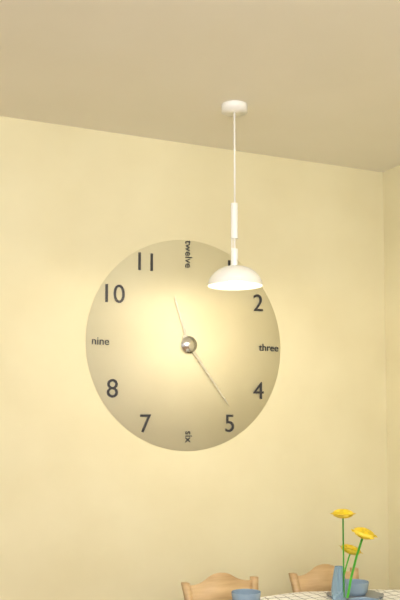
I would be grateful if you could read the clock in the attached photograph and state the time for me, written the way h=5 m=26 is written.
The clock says h=11 m=24
